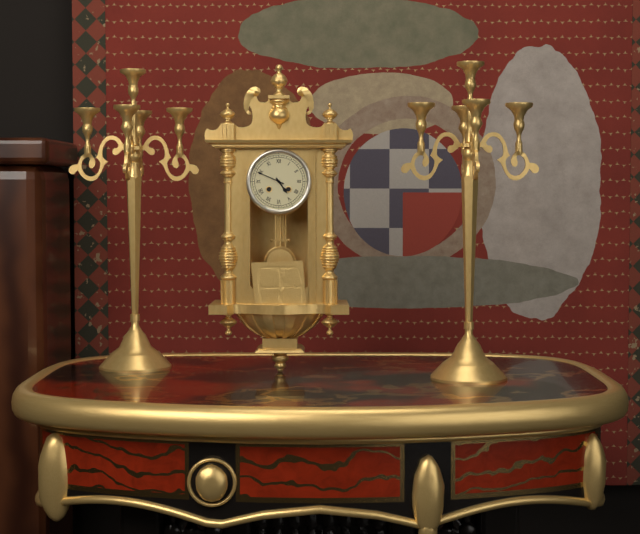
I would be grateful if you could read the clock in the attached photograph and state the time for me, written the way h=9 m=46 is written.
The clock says h=4 m=49
